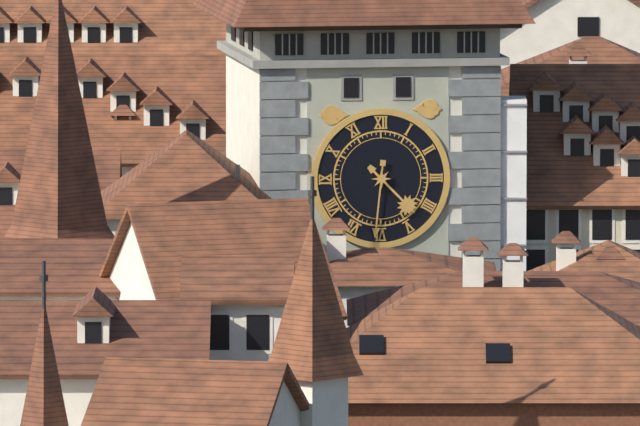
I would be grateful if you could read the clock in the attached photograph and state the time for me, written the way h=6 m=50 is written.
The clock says h=4 m=31
